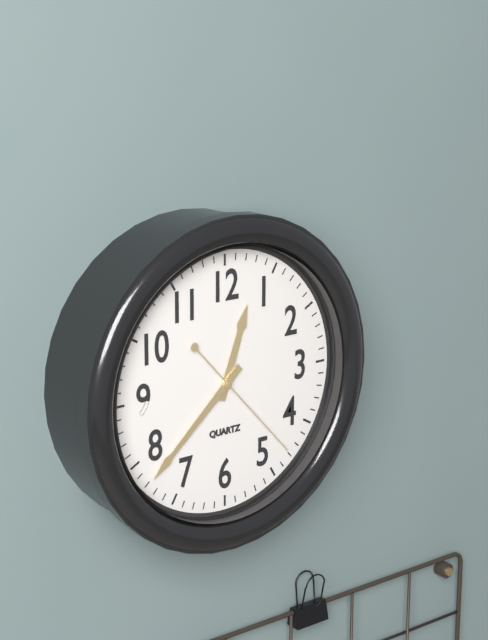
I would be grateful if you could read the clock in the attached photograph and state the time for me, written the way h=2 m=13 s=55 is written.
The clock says h=12 m=38 s=23
